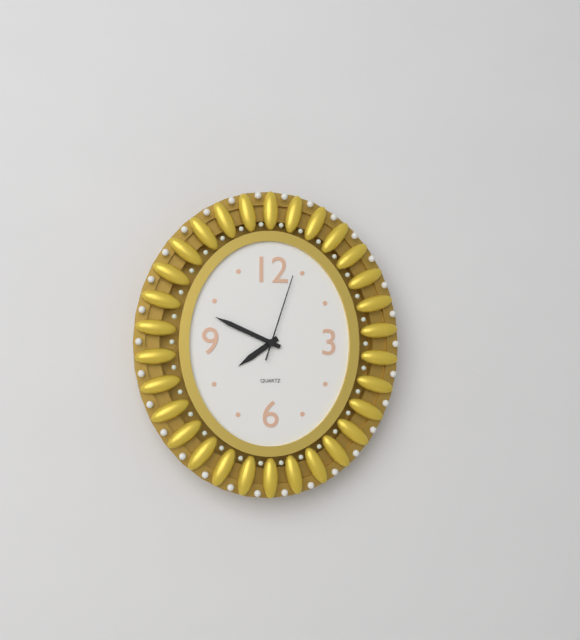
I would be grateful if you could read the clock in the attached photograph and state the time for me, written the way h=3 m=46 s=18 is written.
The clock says h=7 m=49 s=3
